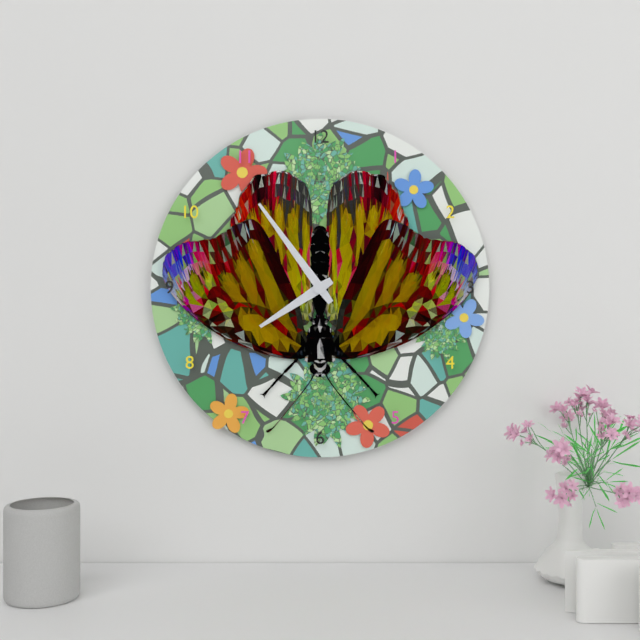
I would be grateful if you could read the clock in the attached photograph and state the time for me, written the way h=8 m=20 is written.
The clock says h=7 m=54
